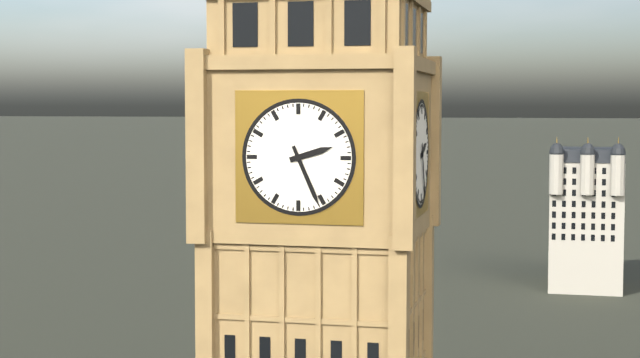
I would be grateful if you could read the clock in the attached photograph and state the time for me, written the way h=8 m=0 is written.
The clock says h=2 m=26
